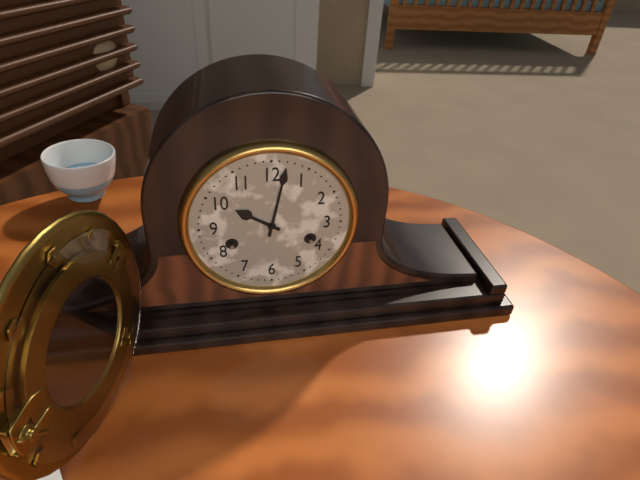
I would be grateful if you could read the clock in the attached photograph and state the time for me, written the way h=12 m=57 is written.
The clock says h=10 m=2
